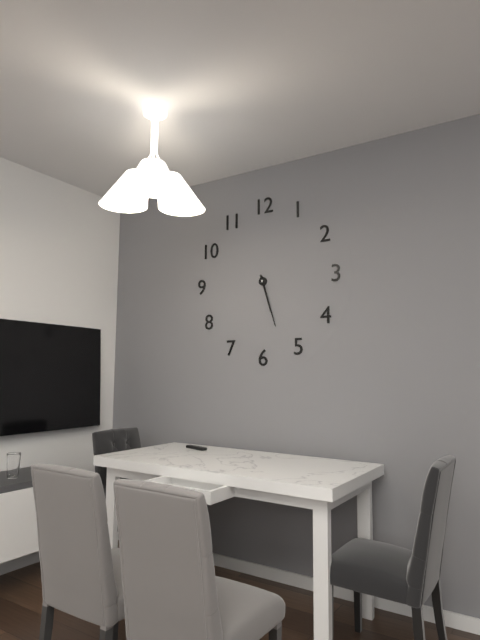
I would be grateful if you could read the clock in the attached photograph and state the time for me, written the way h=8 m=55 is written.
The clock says h=5 m=27
